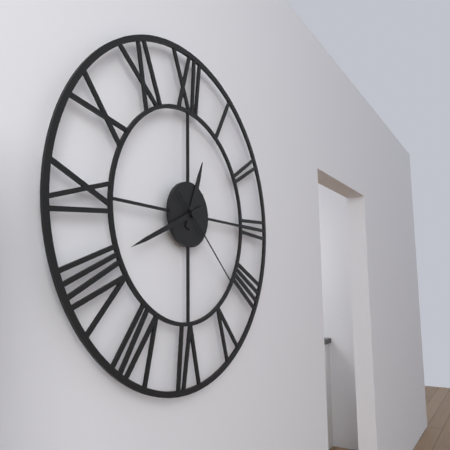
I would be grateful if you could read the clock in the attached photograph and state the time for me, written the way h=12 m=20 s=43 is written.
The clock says h=12 m=41 s=22
